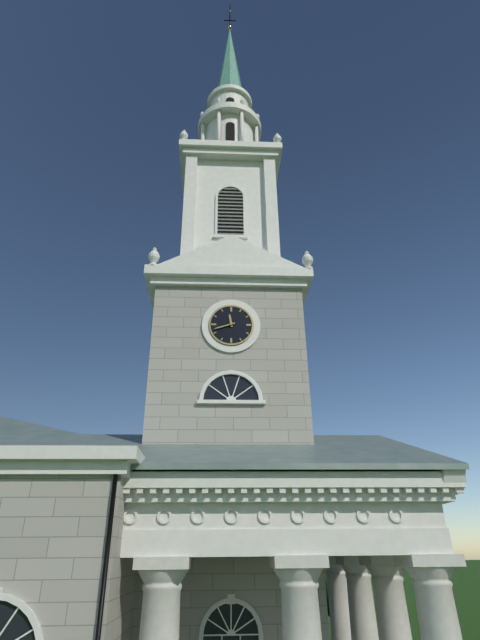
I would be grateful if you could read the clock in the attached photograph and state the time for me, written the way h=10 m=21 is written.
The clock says h=11 m=42
